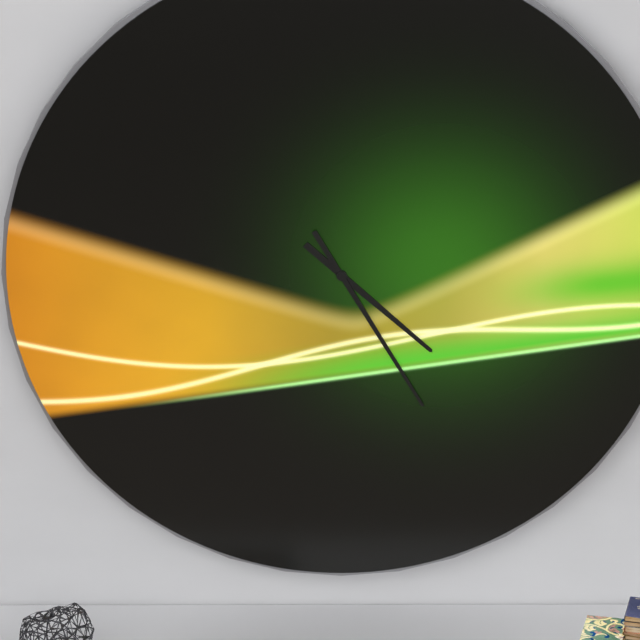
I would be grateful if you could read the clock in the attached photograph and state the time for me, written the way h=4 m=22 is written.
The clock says h=4 m=25
